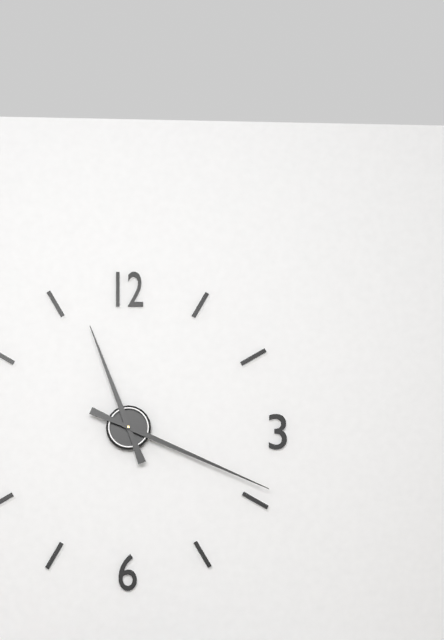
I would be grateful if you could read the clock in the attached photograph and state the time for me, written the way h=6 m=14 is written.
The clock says h=11 m=19
